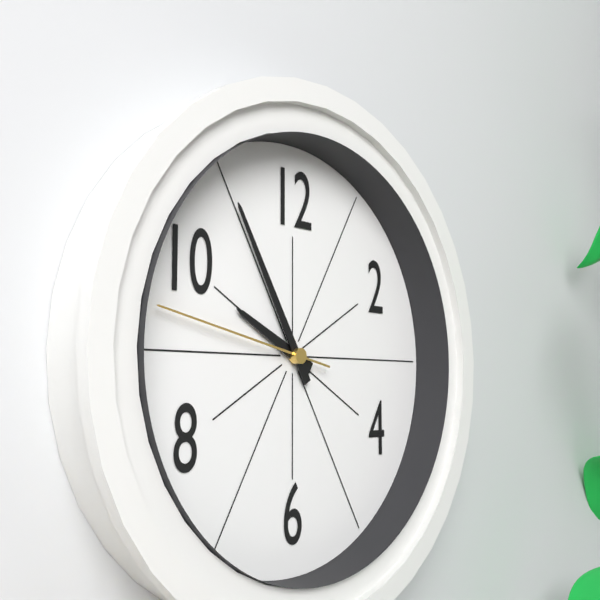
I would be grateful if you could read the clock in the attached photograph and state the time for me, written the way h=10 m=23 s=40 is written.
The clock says h=9 m=55 s=47
